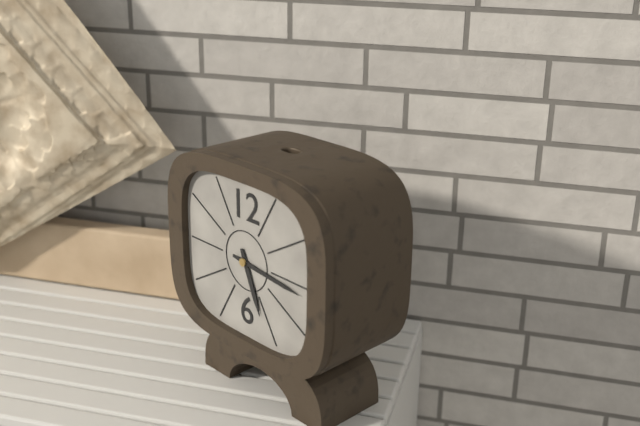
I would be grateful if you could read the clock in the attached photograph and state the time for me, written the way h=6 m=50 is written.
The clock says h=5 m=16
